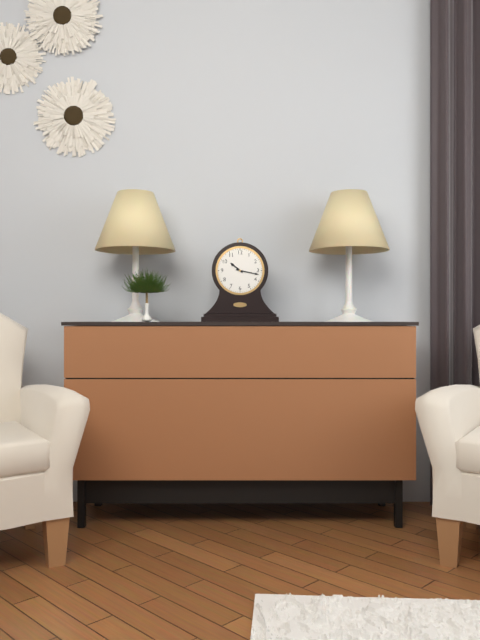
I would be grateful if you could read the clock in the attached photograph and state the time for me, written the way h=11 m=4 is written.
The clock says h=10 m=17
